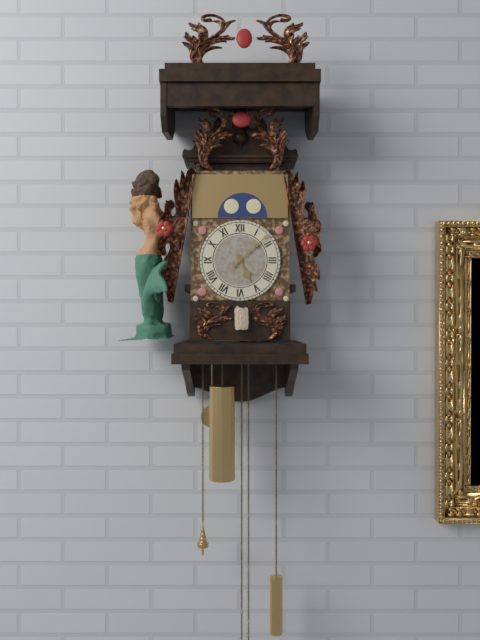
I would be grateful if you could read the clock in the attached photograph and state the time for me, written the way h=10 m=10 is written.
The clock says h=5 m=8
